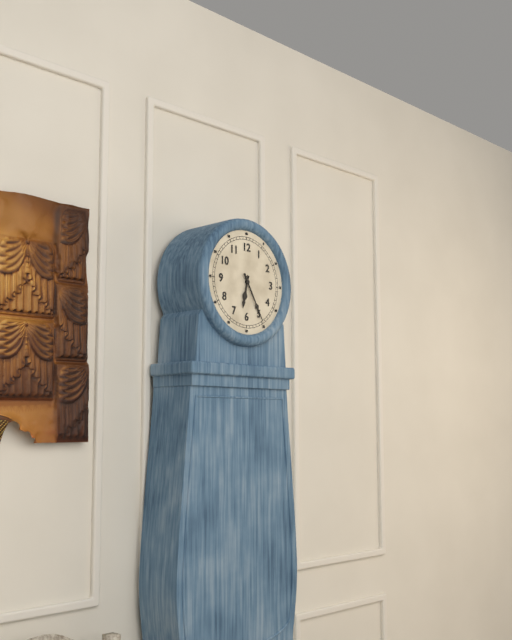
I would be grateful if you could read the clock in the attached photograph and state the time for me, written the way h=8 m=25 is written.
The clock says h=6 m=25
